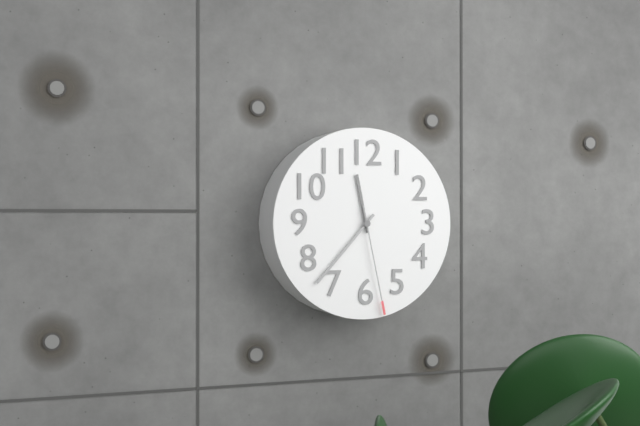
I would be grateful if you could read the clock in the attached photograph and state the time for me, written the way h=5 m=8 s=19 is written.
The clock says h=11 m=37 s=28
